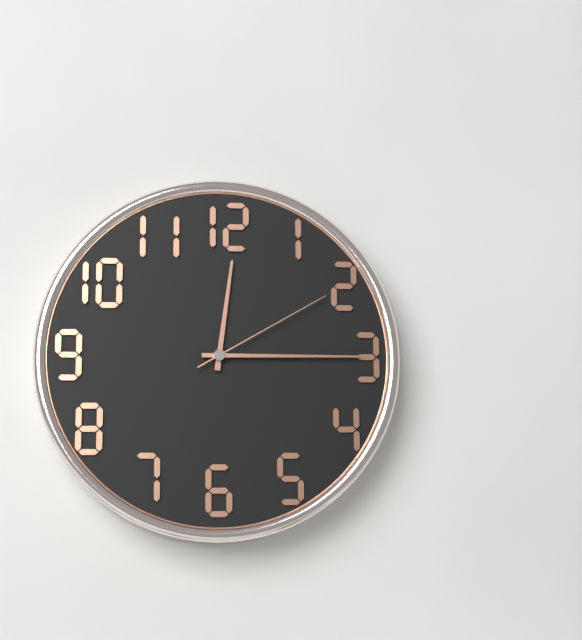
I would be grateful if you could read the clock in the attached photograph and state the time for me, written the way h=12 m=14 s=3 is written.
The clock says h=12 m=15 s=10
